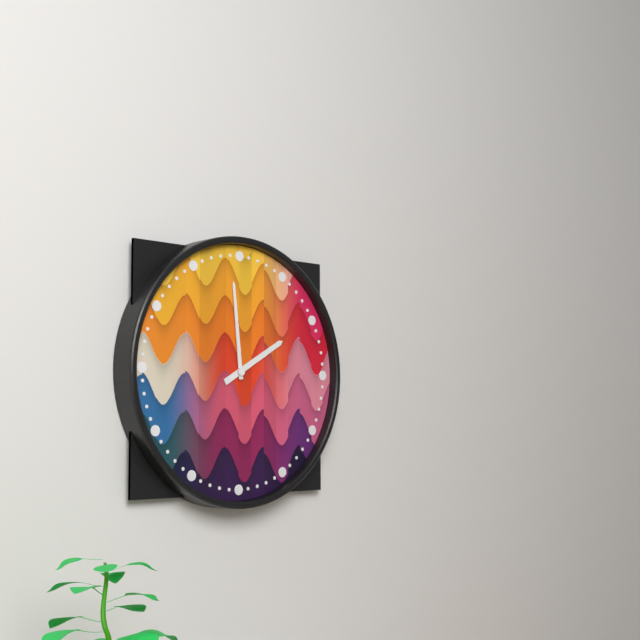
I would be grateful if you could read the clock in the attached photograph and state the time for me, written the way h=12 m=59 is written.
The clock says h=1 m=59
